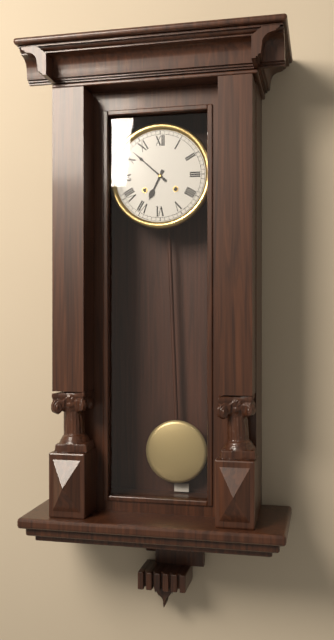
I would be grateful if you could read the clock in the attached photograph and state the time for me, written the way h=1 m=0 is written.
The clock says h=6 m=52
